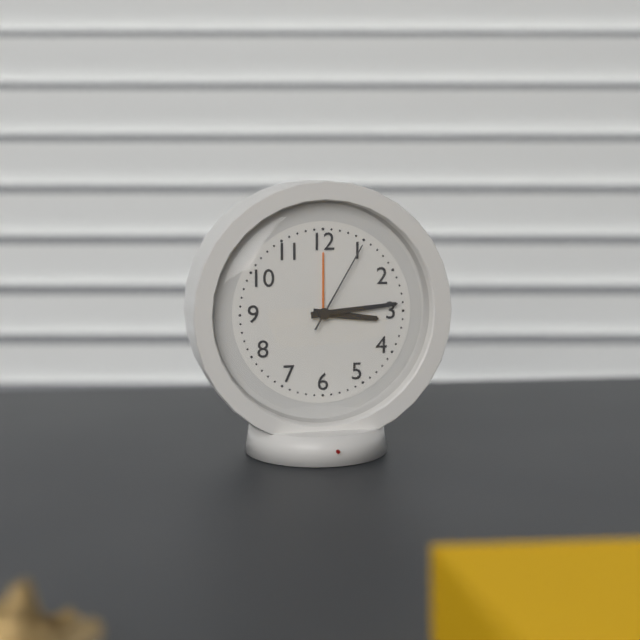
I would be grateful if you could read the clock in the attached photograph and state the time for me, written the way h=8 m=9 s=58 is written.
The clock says h=3 m=14 s=5
